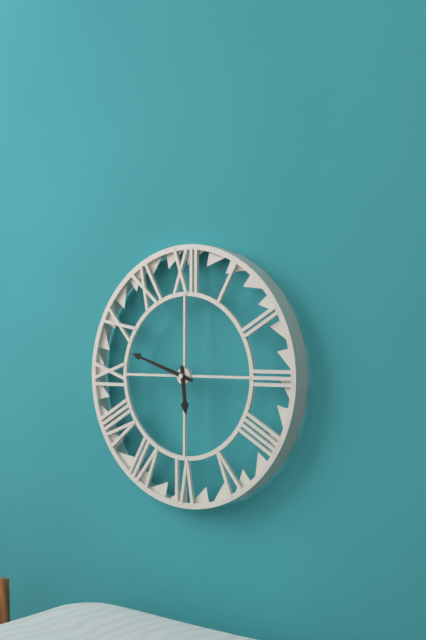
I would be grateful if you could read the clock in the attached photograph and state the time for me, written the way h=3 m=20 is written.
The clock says h=5 m=48
